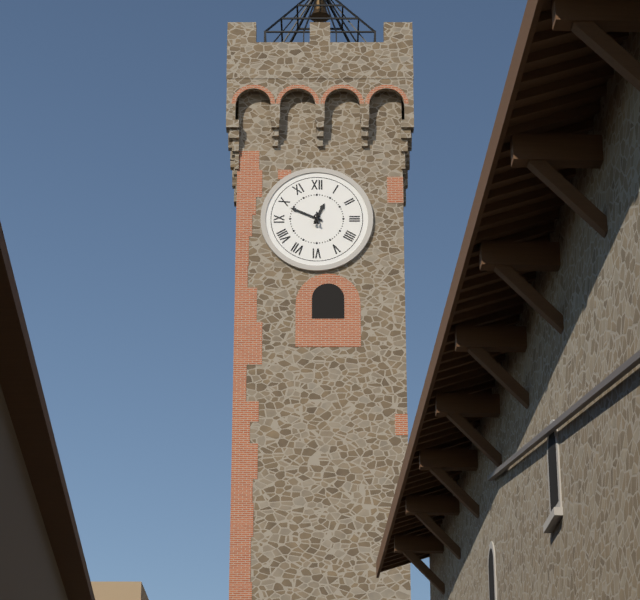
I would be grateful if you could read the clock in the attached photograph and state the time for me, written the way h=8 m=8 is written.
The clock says h=12 m=49
